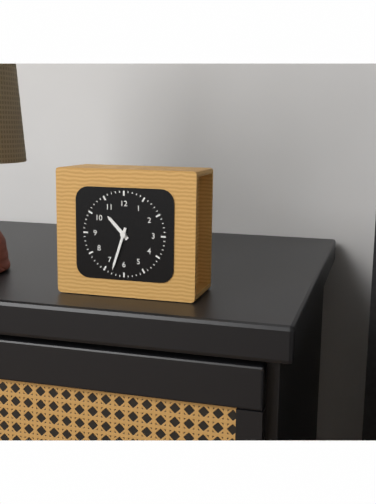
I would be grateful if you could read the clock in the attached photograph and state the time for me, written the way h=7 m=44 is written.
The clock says h=10 m=33
